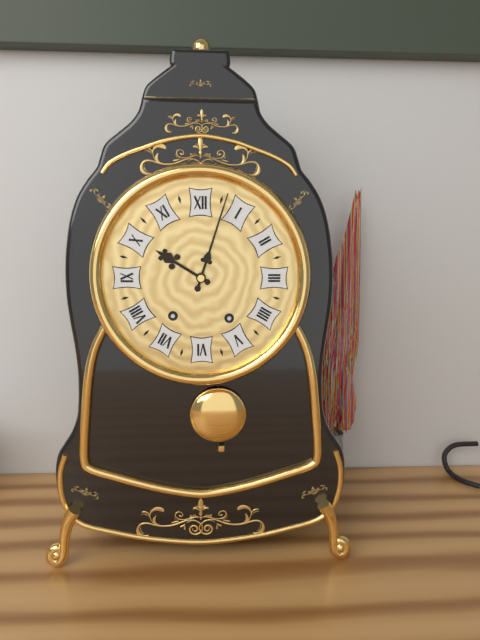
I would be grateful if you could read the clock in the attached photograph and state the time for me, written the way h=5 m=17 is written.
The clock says h=10 m=3
